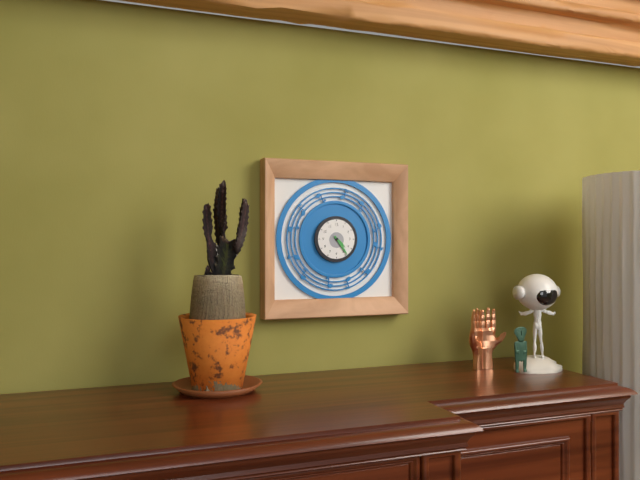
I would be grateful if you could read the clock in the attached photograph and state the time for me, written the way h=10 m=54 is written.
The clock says h=4 m=24
